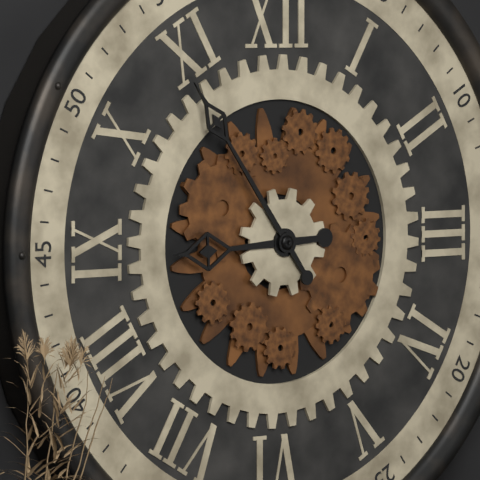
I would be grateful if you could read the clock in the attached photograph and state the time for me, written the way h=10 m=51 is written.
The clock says h=8 m=54
